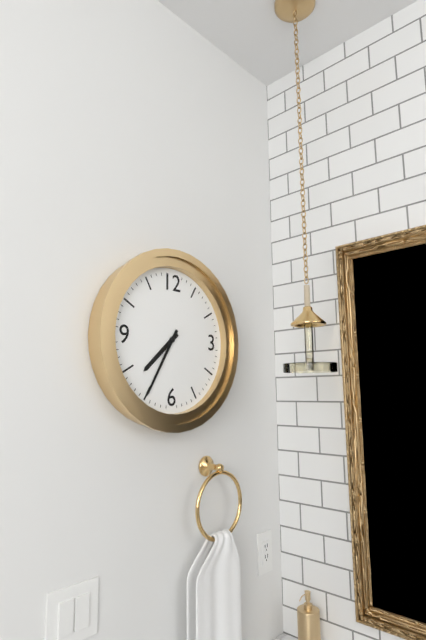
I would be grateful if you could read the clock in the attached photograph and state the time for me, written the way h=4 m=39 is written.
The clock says h=7 m=35
